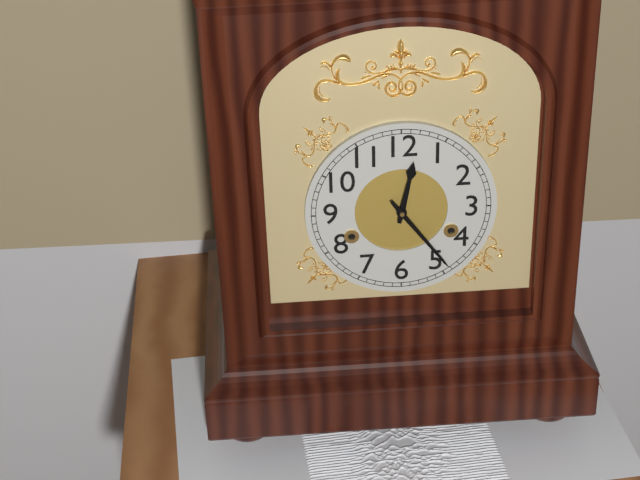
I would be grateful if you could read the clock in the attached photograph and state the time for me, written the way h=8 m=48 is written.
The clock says h=12 m=24
